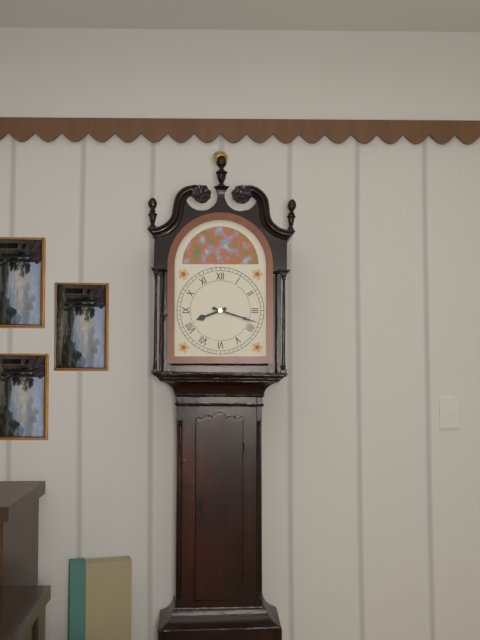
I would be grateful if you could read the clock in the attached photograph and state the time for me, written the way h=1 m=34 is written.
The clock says h=8 m=18
